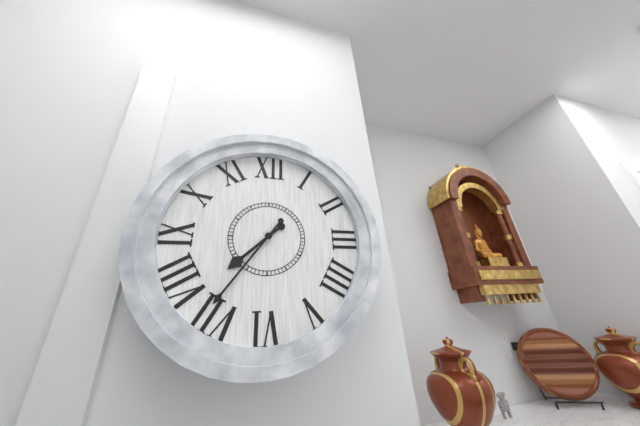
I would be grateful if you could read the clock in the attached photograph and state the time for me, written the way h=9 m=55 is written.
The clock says h=7 m=36
